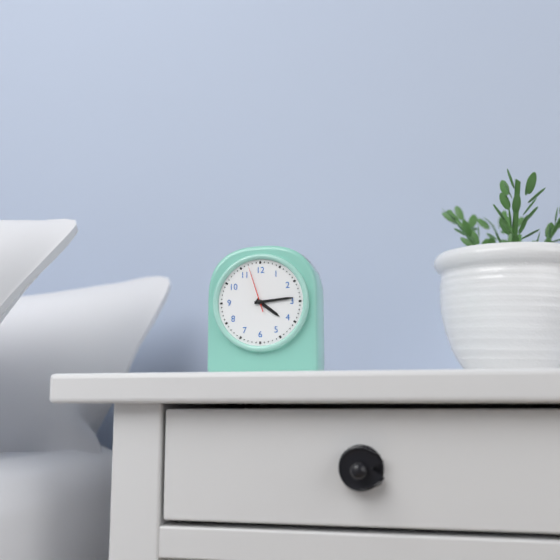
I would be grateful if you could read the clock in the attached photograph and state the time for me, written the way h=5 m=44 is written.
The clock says h=4 m=14
